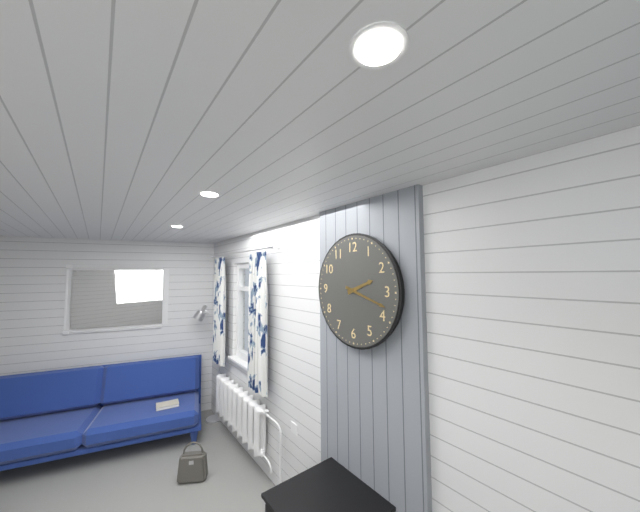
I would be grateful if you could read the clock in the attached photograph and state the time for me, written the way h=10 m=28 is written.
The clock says h=2 m=18
